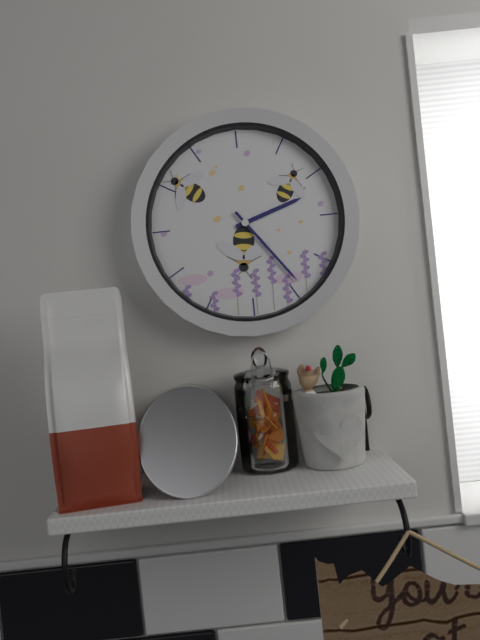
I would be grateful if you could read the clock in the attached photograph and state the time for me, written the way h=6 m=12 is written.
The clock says h=2 m=24
